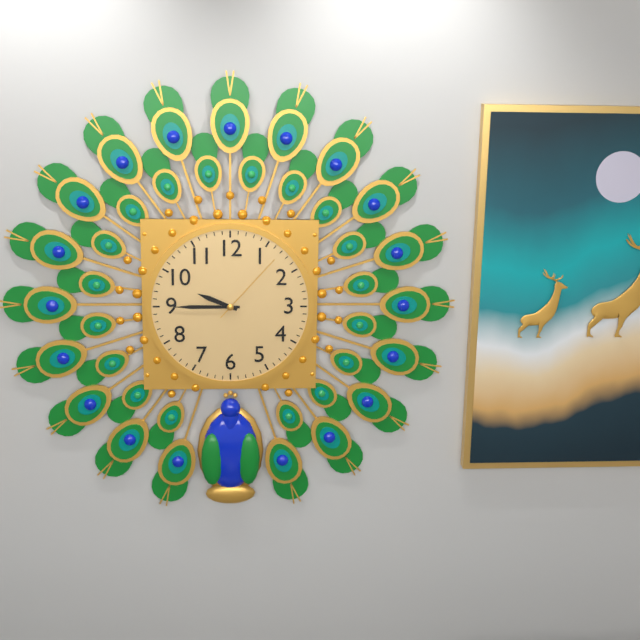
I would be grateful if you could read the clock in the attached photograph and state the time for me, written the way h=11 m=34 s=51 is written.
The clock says h=9 m=45 s=7
